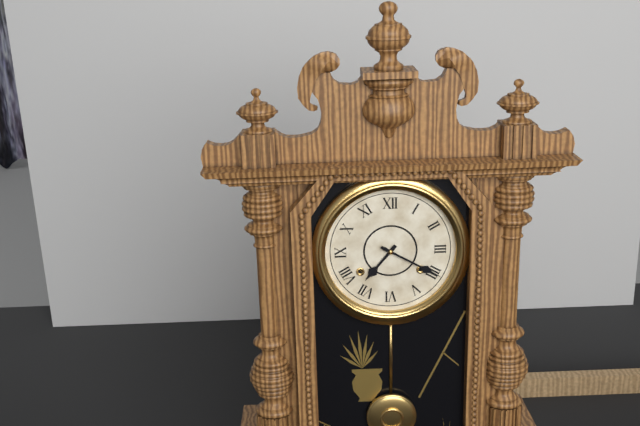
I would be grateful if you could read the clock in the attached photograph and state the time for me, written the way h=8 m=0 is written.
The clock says h=7 m=20
